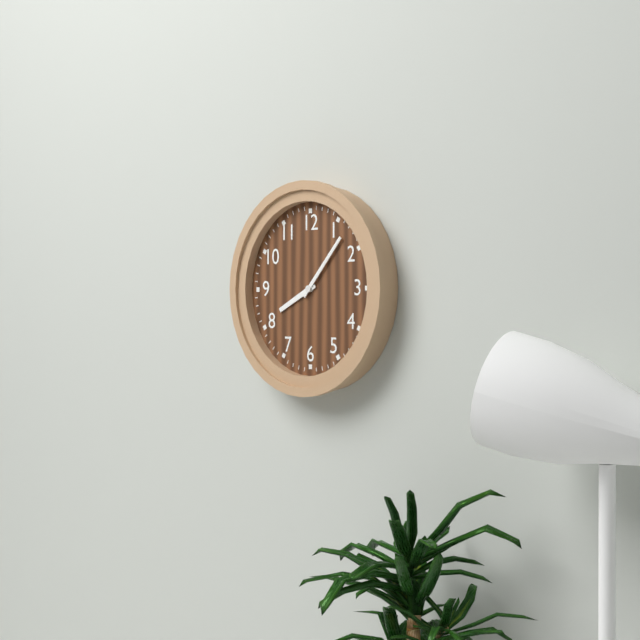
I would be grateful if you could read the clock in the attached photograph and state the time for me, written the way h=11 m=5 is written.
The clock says h=8 m=7
